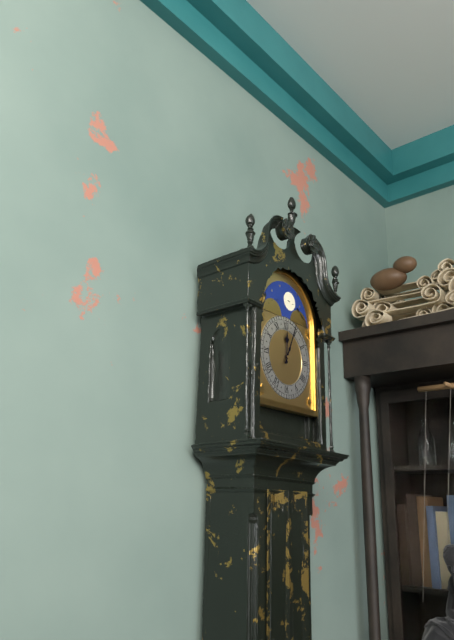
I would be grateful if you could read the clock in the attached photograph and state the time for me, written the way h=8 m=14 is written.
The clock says h=12 m=4
